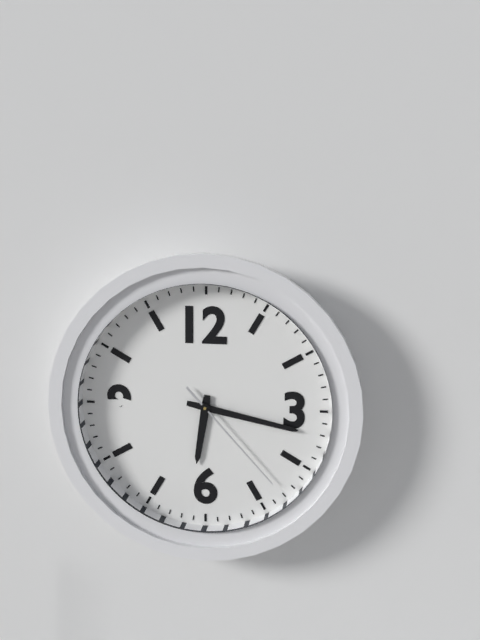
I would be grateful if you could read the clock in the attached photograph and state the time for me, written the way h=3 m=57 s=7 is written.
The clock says h=6 m=17 s=23
